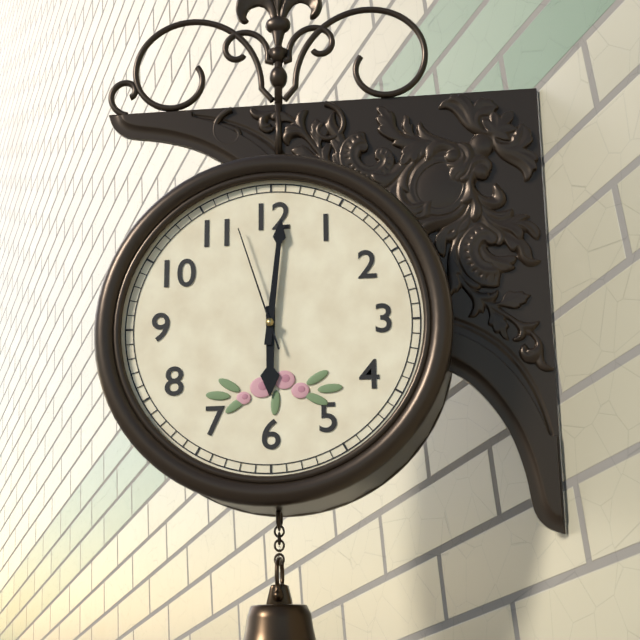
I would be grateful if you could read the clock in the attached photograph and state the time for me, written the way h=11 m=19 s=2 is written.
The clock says h=6 m=1 s=57
